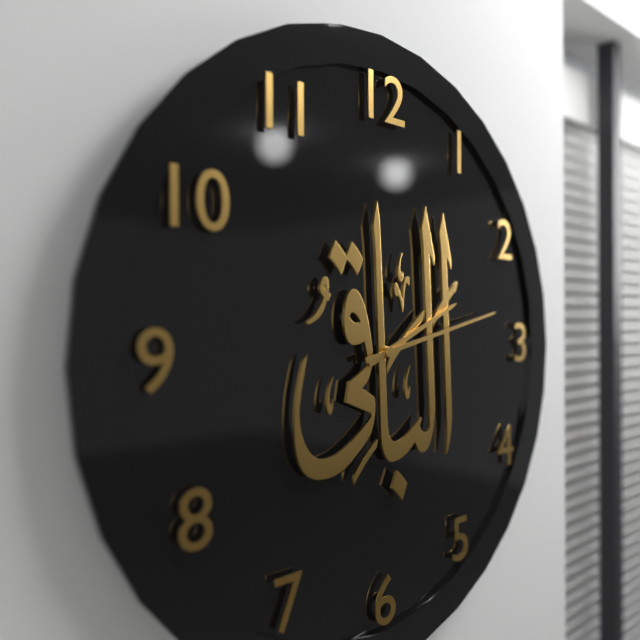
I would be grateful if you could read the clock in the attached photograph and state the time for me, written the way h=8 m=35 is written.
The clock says h=2 m=13
